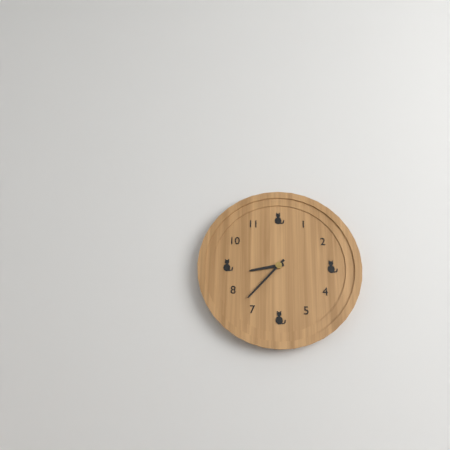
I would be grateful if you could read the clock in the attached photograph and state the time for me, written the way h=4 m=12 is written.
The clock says h=8 m=37
